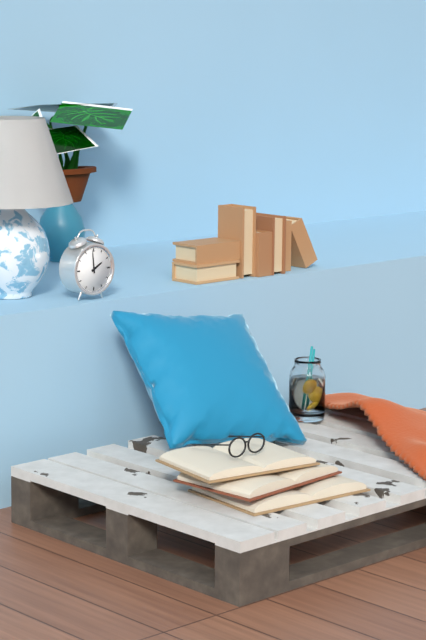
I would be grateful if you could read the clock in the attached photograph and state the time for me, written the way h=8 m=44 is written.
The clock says h=1 m=59
